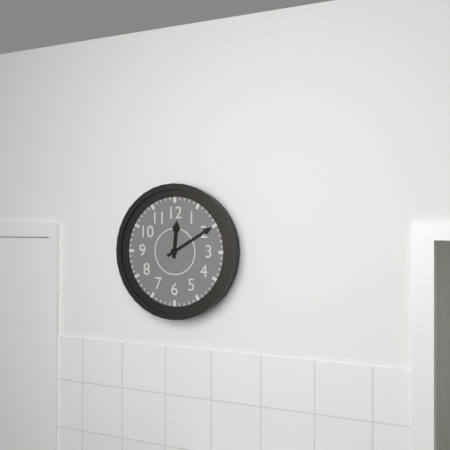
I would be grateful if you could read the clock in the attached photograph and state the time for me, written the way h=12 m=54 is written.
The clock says h=12 m=10
